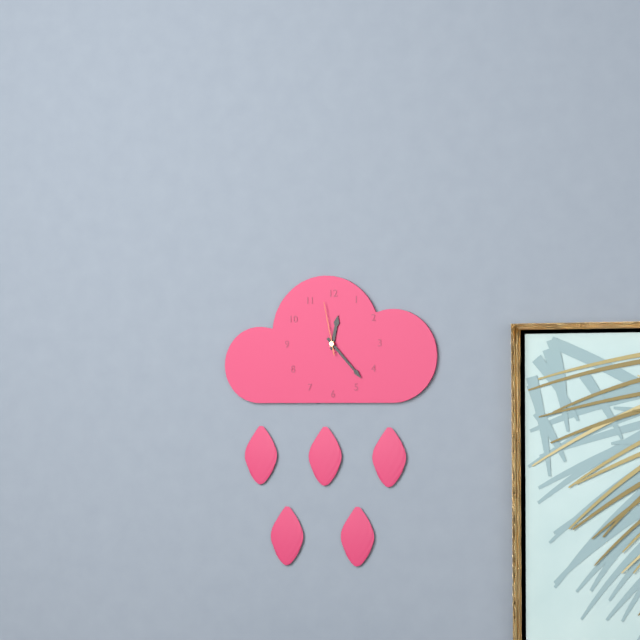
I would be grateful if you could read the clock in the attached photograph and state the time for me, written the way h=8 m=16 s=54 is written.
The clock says h=12 m=23 s=58
